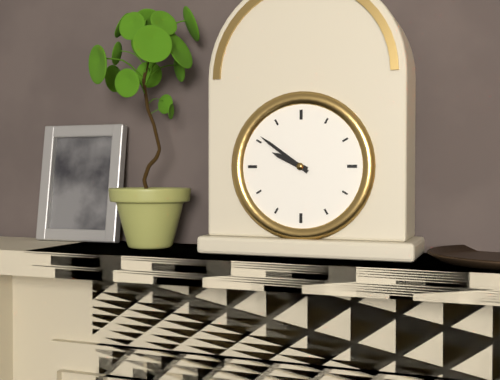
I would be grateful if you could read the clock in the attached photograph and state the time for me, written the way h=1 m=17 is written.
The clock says h=9 m=51
